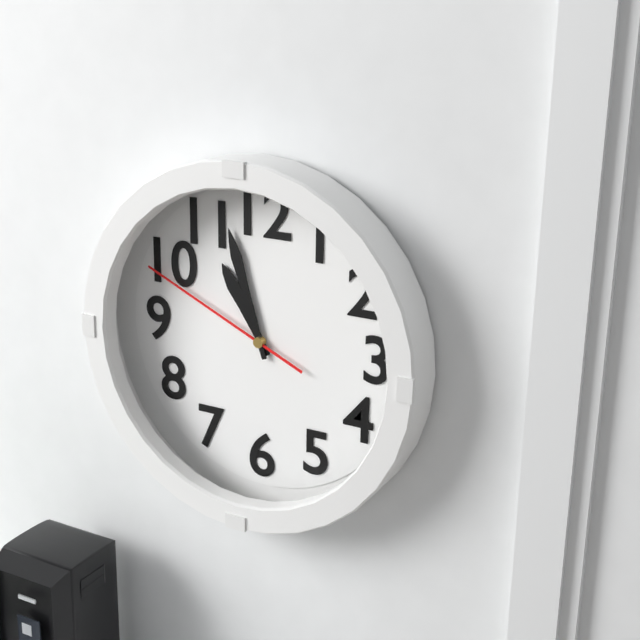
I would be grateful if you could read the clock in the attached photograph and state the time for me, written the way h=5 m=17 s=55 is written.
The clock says h=10 m=57 s=49
